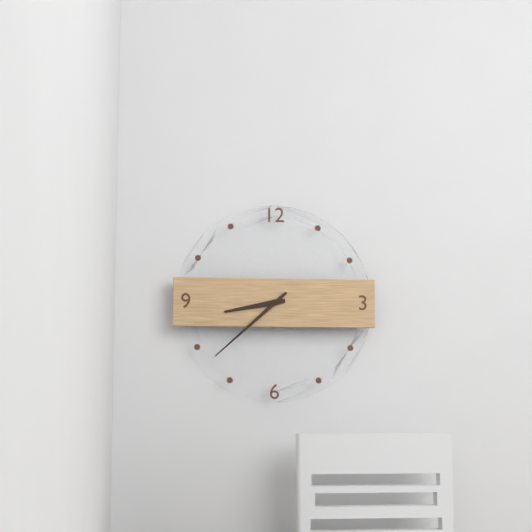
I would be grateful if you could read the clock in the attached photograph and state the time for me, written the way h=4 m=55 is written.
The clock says h=8 m=38
